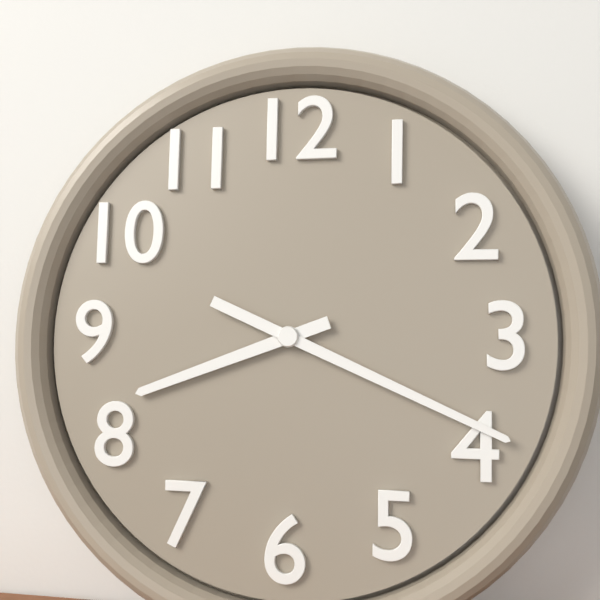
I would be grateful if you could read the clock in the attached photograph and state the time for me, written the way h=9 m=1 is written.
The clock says h=8 m=19
